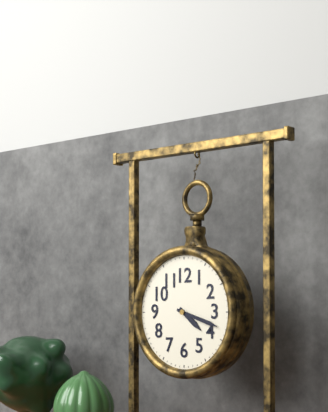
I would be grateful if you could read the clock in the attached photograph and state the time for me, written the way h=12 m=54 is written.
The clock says h=4 m=18
